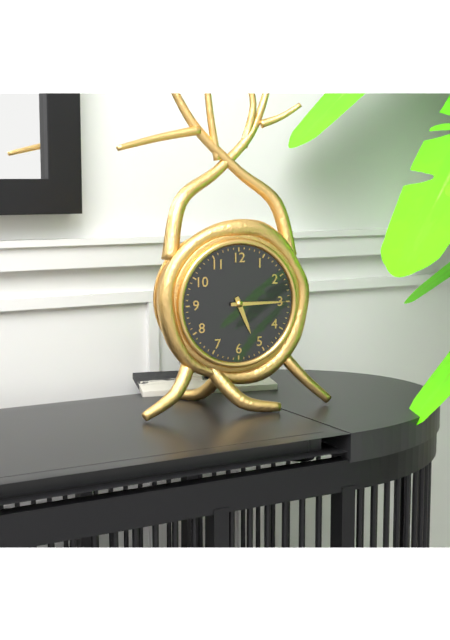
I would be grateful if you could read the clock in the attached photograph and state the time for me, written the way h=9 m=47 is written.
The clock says h=5 m=15
